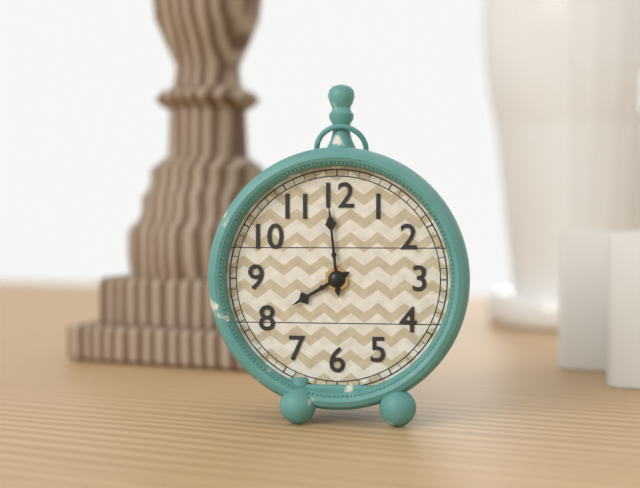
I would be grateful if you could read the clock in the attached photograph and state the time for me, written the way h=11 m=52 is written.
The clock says h=7 m=59
